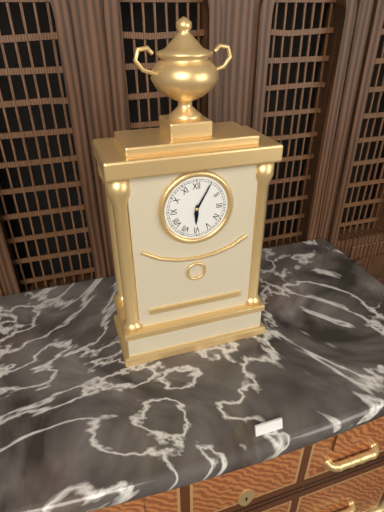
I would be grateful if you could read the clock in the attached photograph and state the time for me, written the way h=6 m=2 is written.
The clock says h=6 m=5
